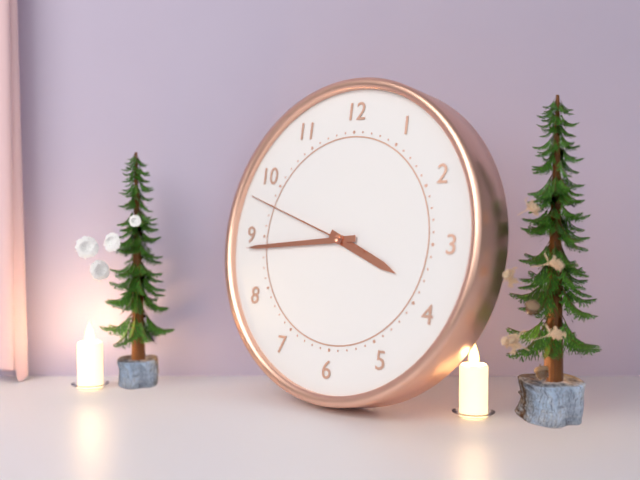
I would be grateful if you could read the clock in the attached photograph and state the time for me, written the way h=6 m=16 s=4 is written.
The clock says h=3 m=44 s=48
